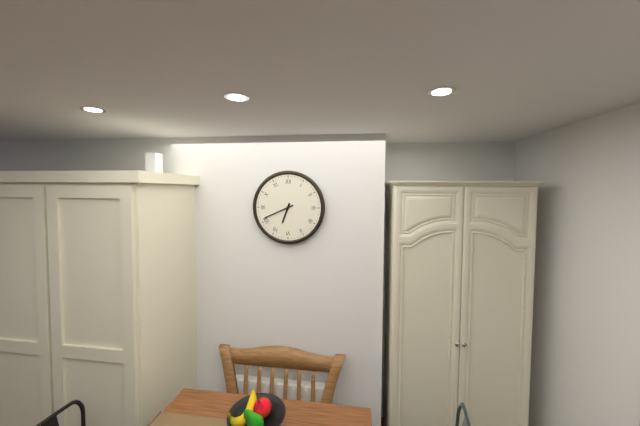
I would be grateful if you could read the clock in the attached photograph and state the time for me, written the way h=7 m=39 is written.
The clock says h=6 m=41
